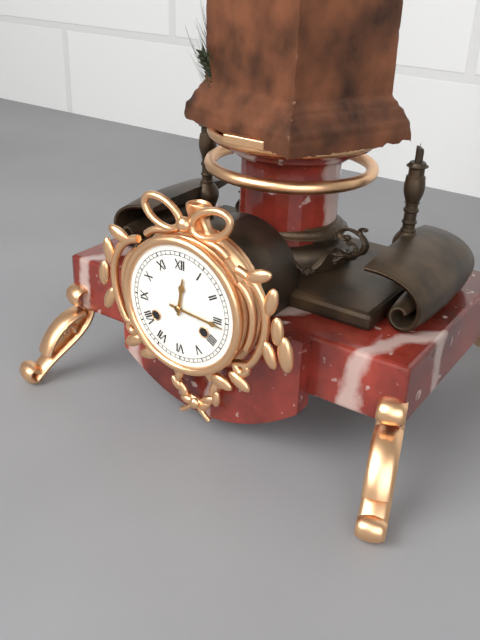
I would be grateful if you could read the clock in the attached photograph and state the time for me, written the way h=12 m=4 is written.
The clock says h=12 m=16
